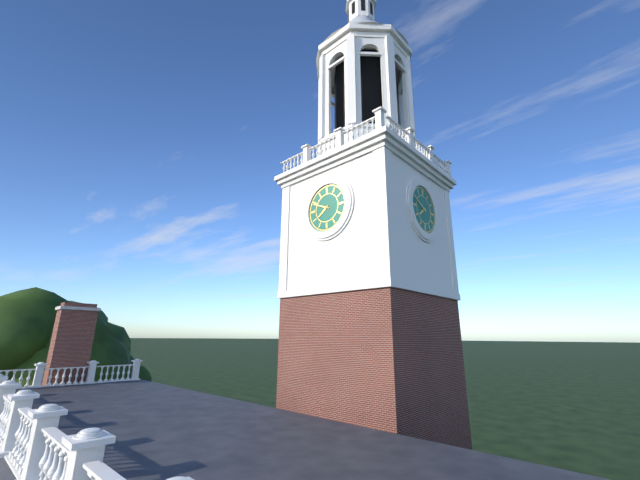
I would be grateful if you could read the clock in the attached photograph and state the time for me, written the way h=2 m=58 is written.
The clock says h=7 m=49
